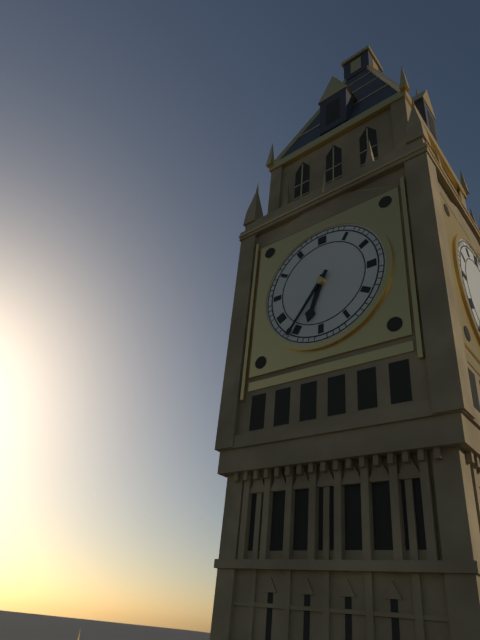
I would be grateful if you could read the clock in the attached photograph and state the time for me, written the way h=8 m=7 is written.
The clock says h=6 m=36
